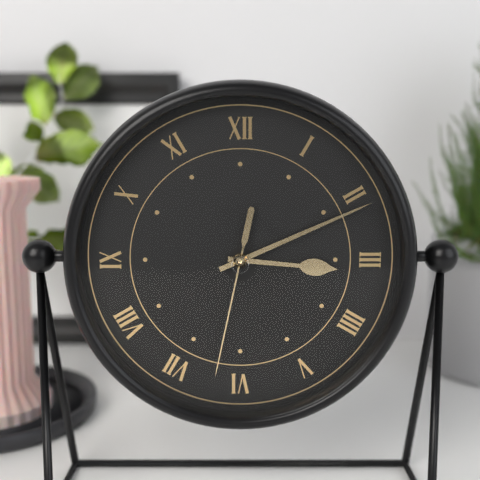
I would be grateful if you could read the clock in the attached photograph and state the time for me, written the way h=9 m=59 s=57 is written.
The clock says h=3 m=11 s=32
